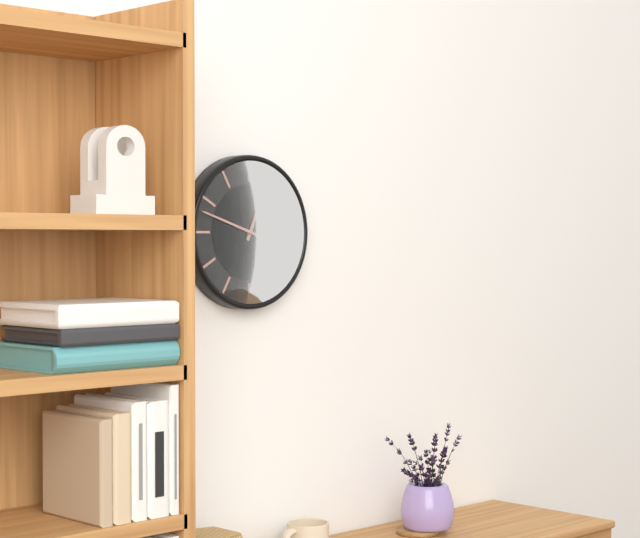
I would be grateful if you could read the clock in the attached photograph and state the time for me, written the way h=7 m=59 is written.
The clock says h=12 m=48
